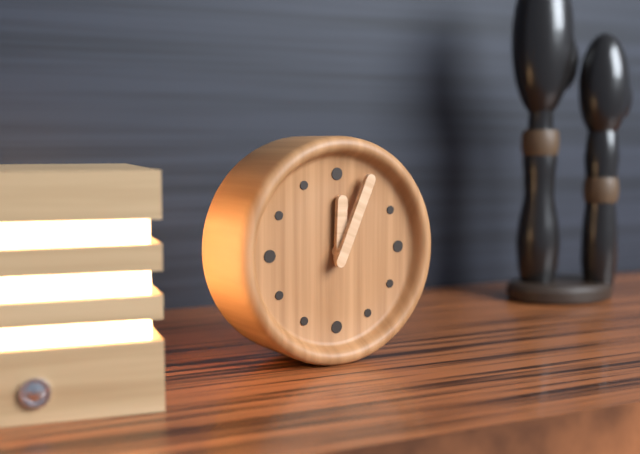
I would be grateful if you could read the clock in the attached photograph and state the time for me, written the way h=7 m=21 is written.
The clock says h=12 m=4
